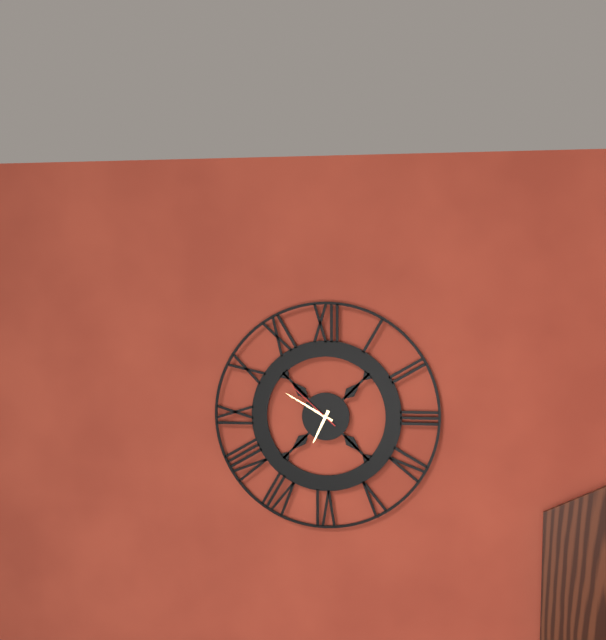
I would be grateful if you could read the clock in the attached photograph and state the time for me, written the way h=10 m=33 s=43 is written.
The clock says h=6 m=50 s=52
